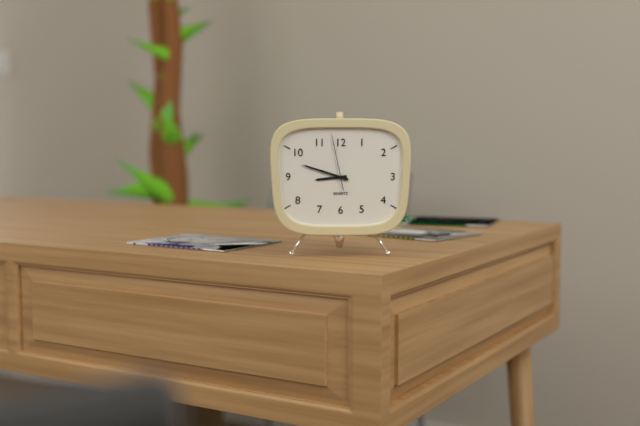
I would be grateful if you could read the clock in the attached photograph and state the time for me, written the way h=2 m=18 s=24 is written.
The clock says h=8 m=48 s=58
